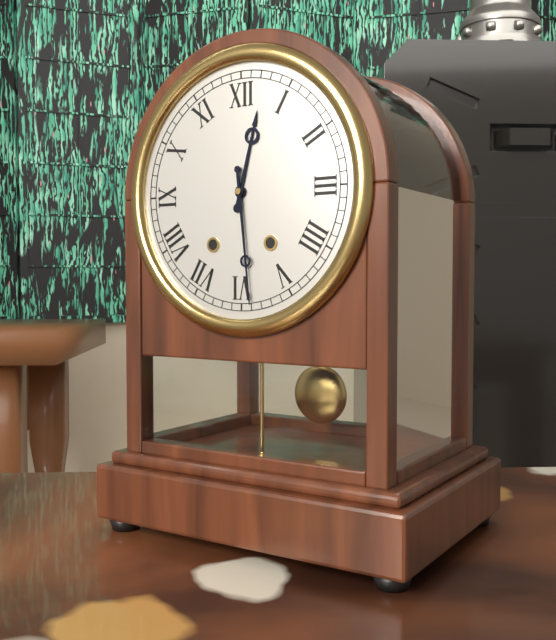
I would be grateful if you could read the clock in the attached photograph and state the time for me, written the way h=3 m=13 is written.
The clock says h=12 m=29
